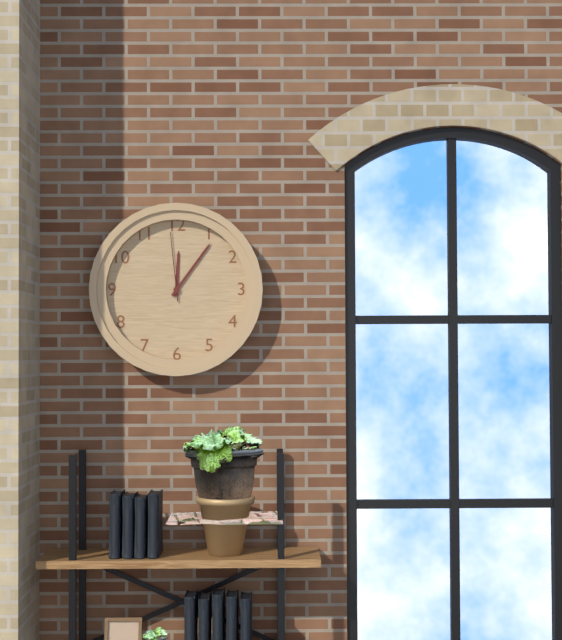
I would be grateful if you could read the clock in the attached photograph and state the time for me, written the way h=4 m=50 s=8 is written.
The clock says h=12 m=6 s=59
